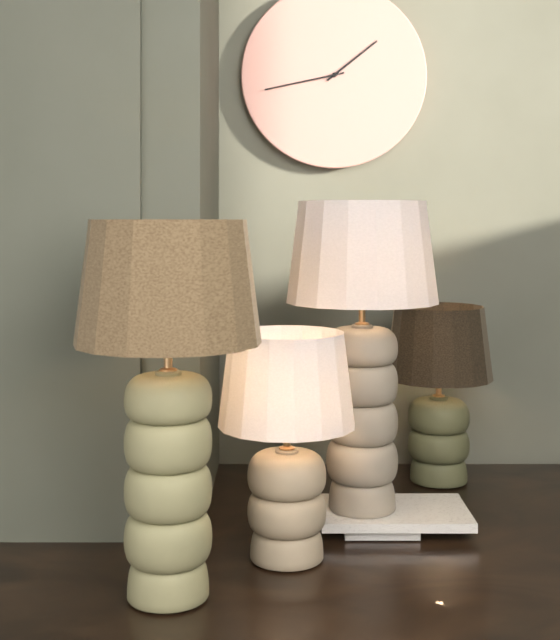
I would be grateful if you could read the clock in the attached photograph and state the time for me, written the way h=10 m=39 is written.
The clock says h=1 m=43
